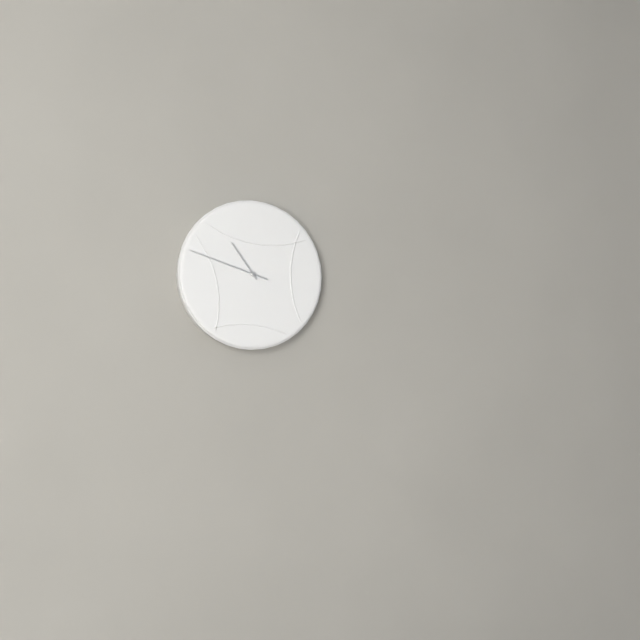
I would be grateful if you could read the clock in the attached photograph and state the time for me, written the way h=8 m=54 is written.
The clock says h=10 m=48
